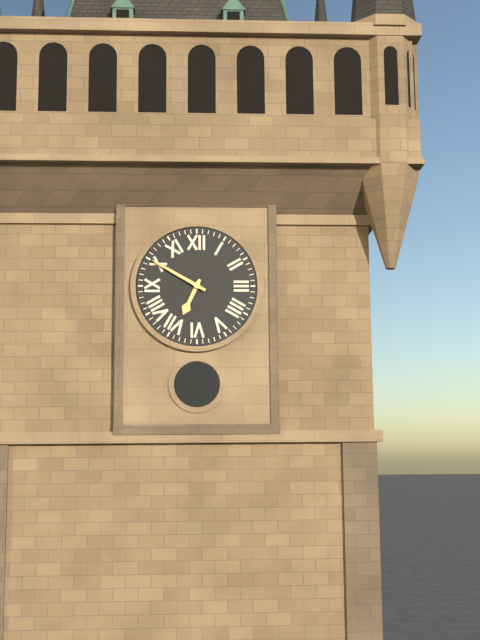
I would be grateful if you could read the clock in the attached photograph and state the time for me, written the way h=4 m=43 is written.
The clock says h=6 m=50
